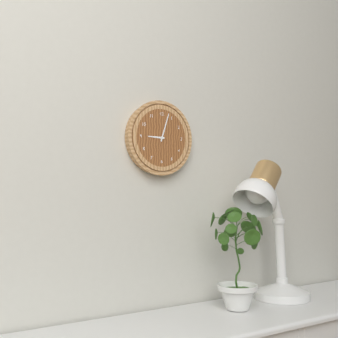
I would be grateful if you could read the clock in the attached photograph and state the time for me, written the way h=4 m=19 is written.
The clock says h=9 m=3
